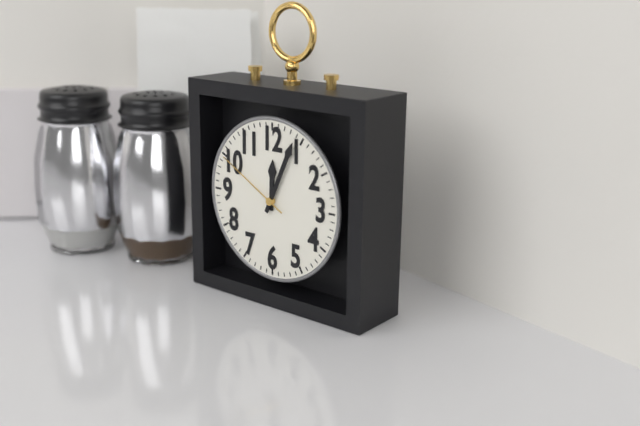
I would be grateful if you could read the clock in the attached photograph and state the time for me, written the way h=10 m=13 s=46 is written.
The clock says h=12 m=4 s=50
